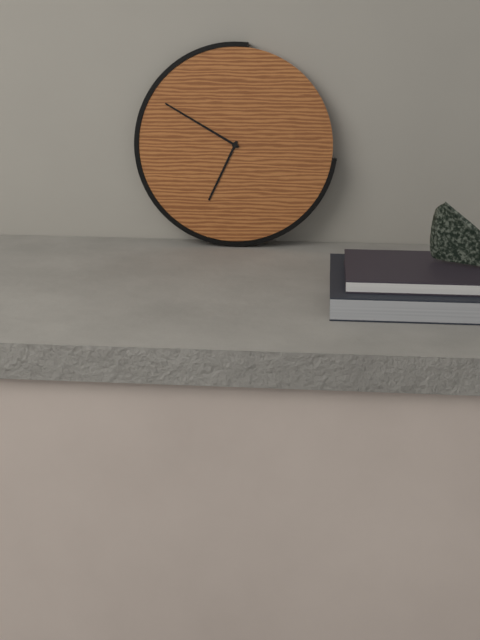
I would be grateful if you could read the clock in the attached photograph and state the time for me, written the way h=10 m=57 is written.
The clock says h=6 m=50
